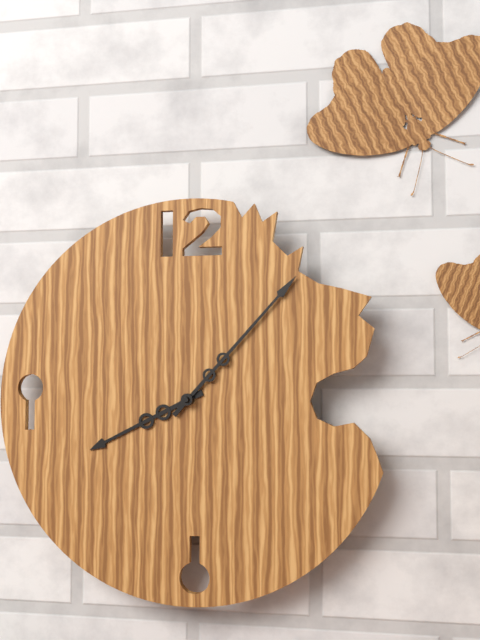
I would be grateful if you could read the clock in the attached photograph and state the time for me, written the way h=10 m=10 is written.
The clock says h=8 m=7
